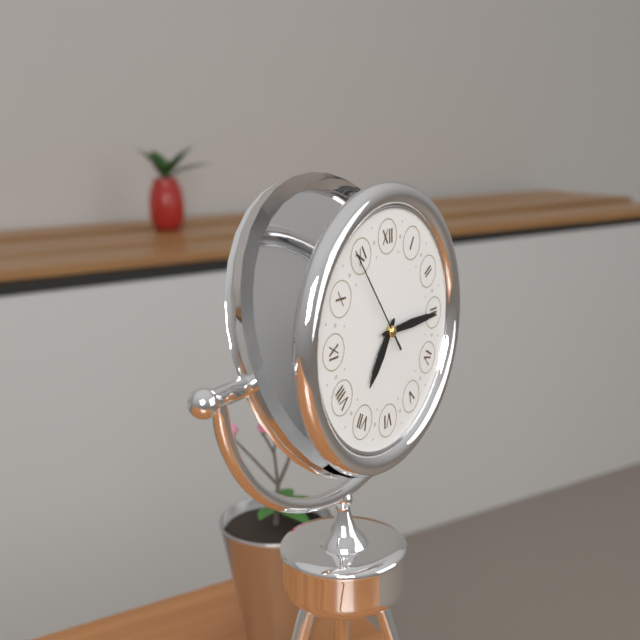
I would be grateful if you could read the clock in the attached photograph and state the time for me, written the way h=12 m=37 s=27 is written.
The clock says h=7 m=15 s=54
